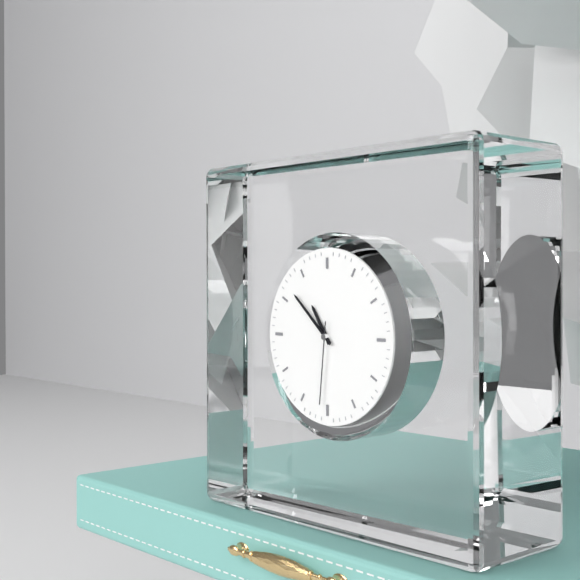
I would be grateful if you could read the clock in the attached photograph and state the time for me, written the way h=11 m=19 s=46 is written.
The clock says h=10 m=52 s=31
